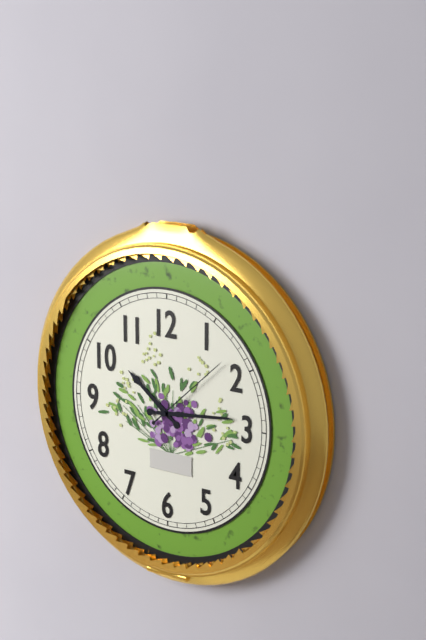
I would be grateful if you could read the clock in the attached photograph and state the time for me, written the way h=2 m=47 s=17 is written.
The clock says h=10 m=14 s=8
